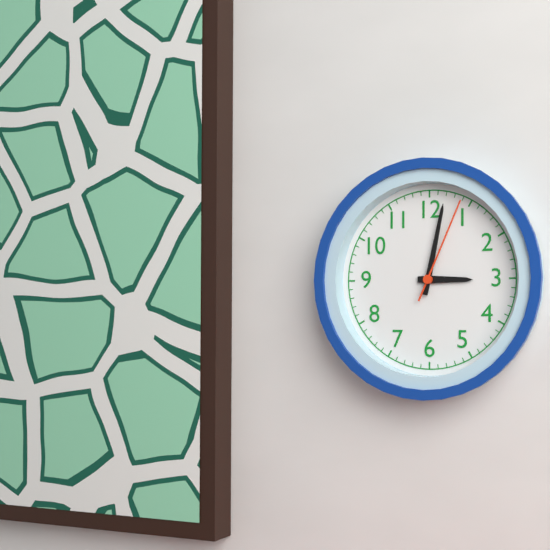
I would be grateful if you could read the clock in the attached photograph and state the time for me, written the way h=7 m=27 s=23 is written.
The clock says h=3 m=2 s=4
